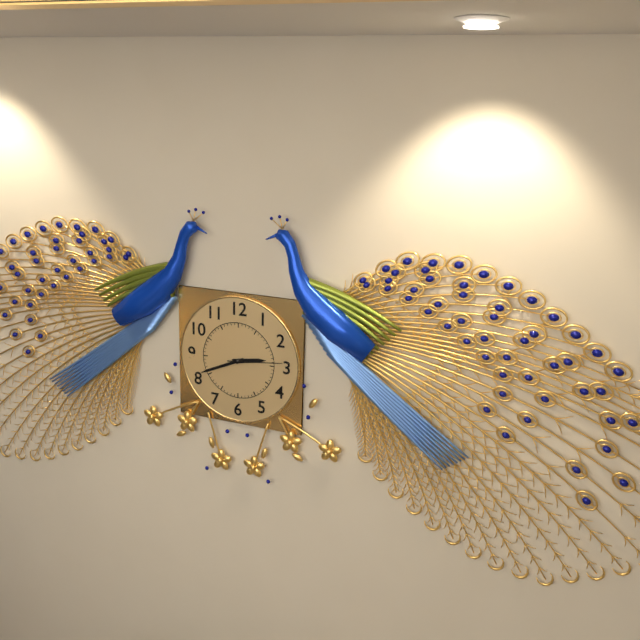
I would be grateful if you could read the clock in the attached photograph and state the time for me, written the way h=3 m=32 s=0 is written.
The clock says h=2 m=41 s=14
